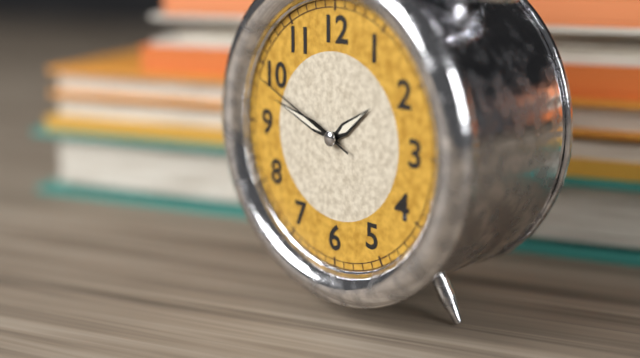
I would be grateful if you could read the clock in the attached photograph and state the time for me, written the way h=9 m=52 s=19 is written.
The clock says h=1 m=48 s=49
